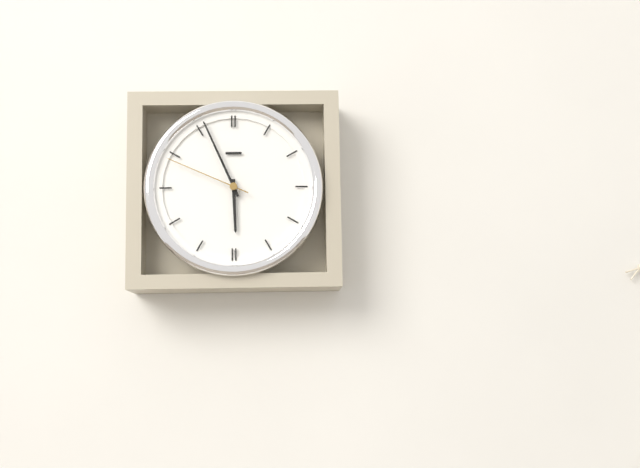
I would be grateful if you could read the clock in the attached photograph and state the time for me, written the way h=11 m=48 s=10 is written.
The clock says h=5 m=56 s=49
